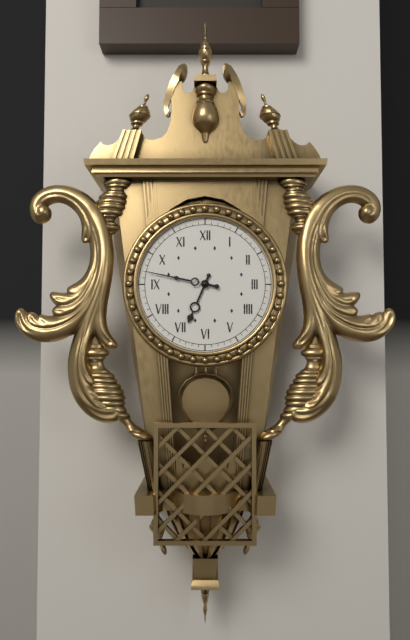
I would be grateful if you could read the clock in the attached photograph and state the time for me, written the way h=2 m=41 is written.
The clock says h=6 m=47
